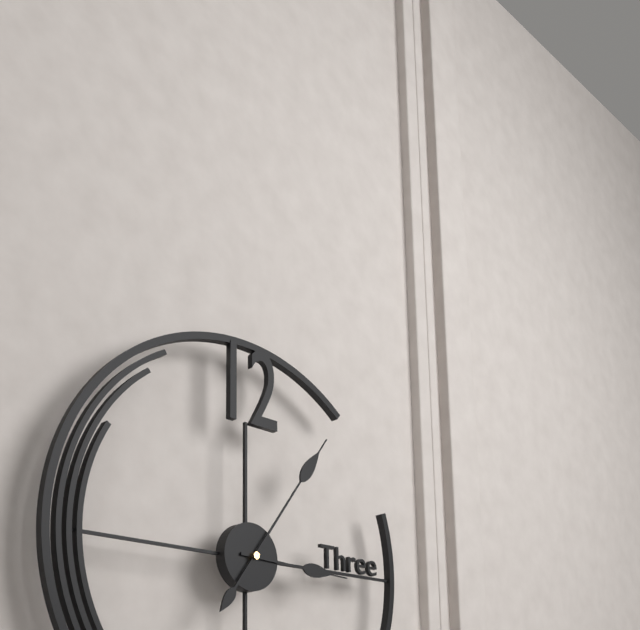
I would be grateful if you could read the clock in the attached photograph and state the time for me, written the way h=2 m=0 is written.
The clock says h=3 m=6
